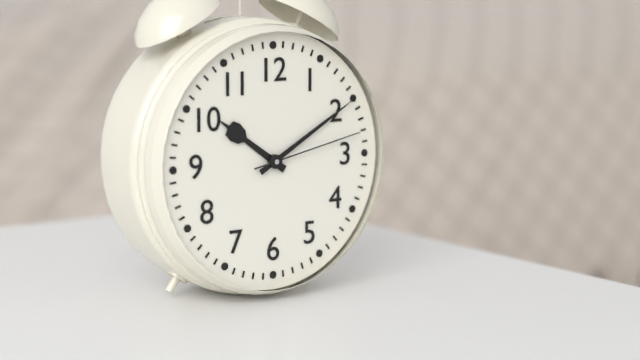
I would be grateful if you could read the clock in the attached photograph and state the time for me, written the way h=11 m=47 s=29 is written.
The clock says h=10 m=10 s=13
